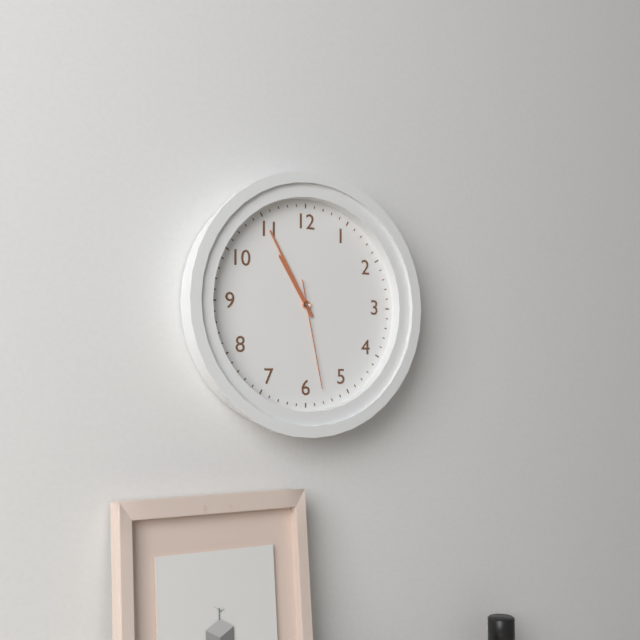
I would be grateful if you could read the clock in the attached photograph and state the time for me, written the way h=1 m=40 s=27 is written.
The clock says h=10 m=55 s=28
